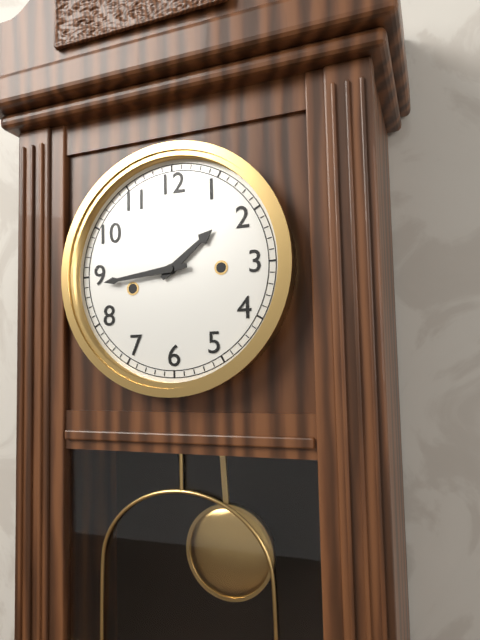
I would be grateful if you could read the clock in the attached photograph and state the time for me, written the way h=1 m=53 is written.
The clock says h=1 m=44
